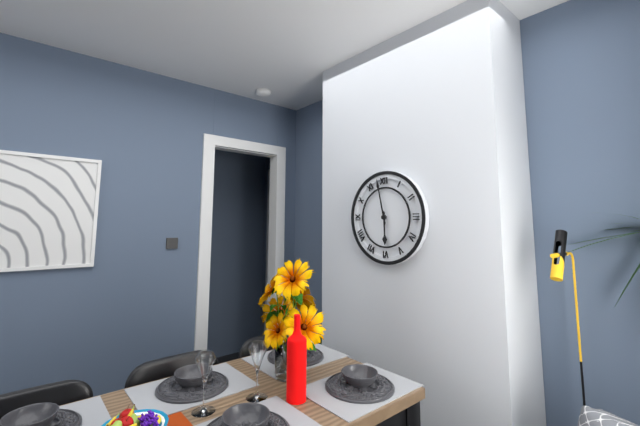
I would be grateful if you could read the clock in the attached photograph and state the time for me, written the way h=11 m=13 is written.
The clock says h=5 m=58
